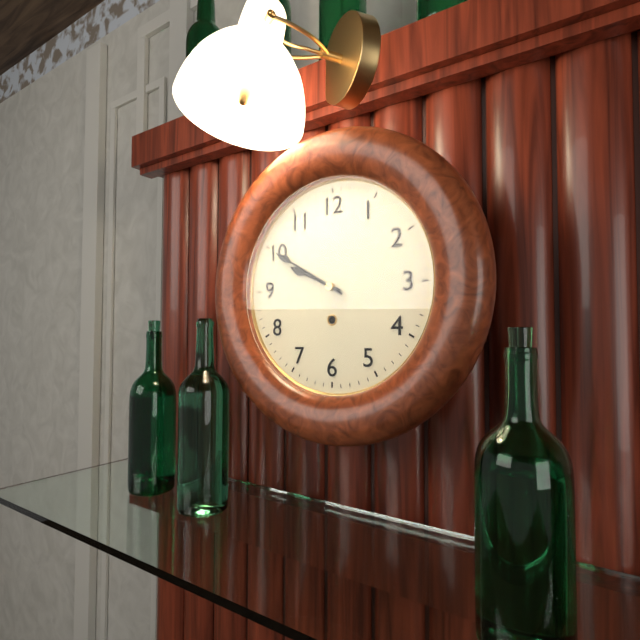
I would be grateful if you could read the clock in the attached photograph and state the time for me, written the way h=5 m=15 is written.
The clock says h=9 m=50
